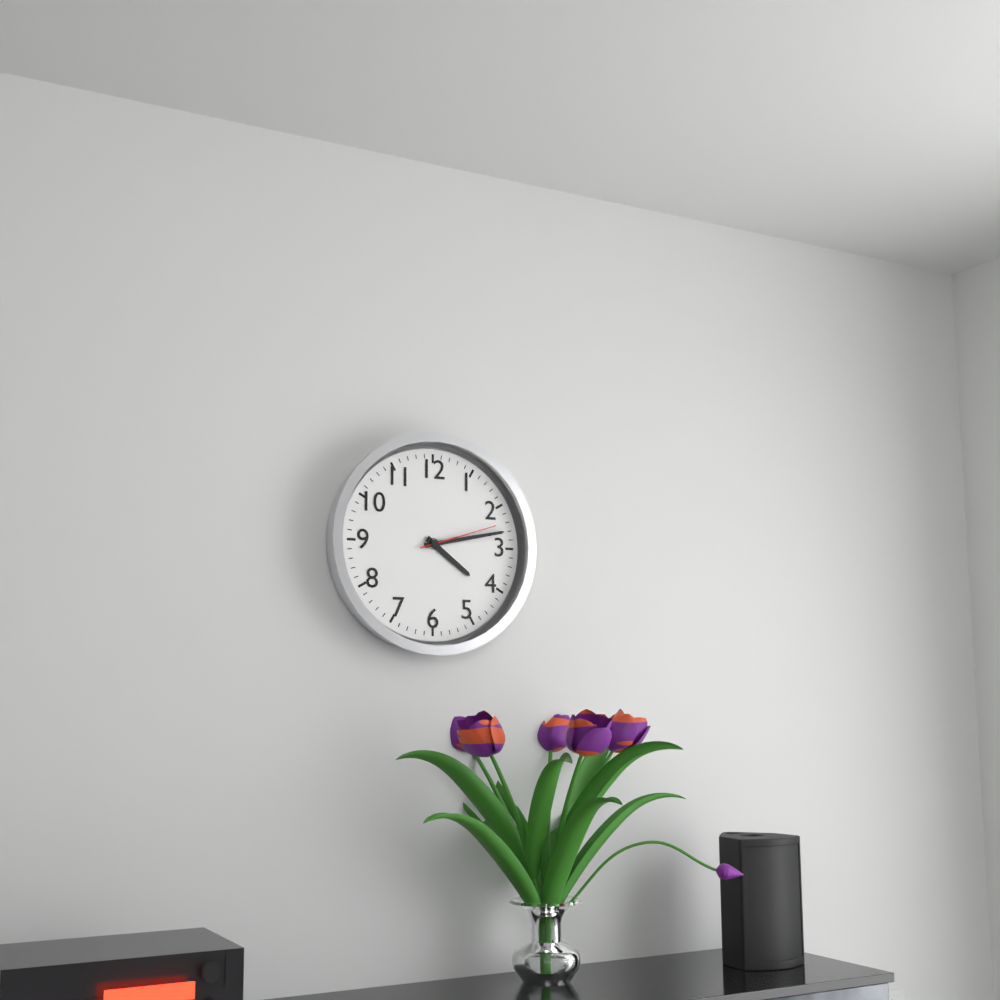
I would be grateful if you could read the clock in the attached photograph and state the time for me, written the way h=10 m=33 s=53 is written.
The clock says h=4 m=13 s=12
